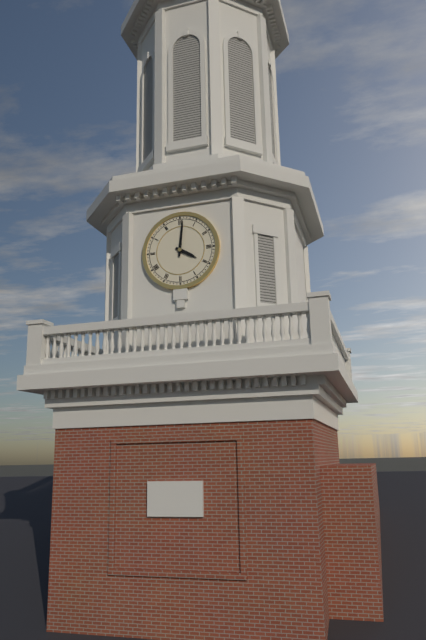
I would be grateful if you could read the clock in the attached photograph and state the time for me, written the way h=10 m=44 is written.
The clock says h=4 m=1
